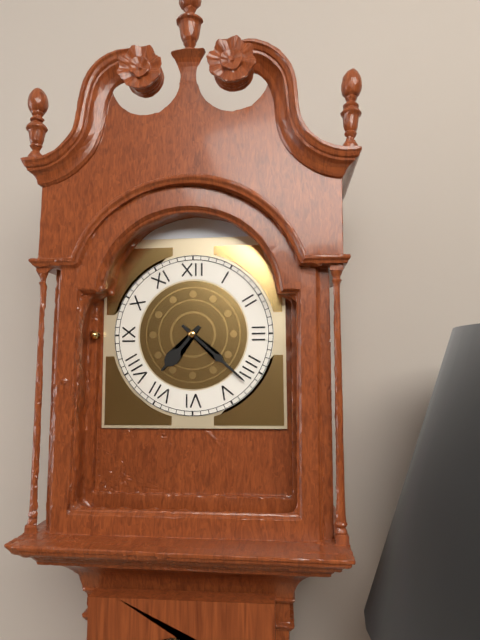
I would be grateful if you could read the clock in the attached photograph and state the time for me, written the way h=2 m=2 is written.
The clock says h=7 m=22
